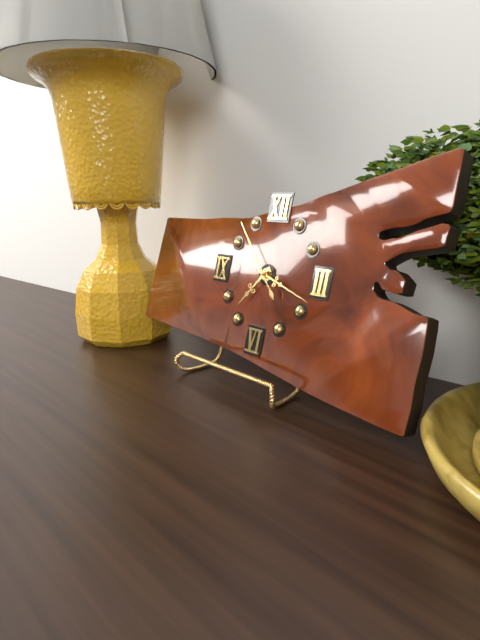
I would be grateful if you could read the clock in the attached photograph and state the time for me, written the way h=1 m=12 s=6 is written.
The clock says h=7 m=18 s=53
